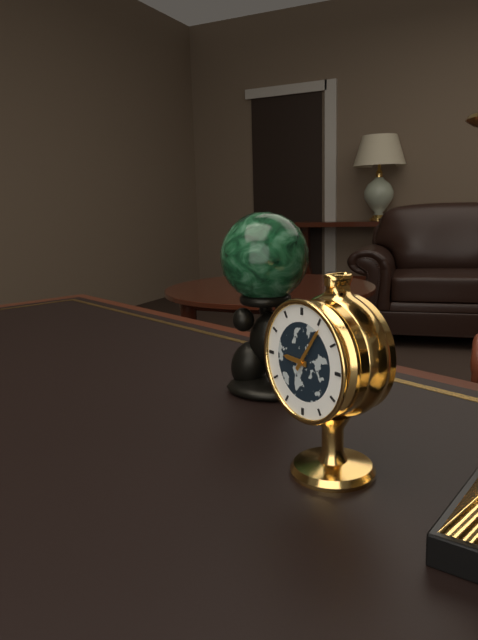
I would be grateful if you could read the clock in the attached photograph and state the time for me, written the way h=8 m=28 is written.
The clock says h=9 m=6
